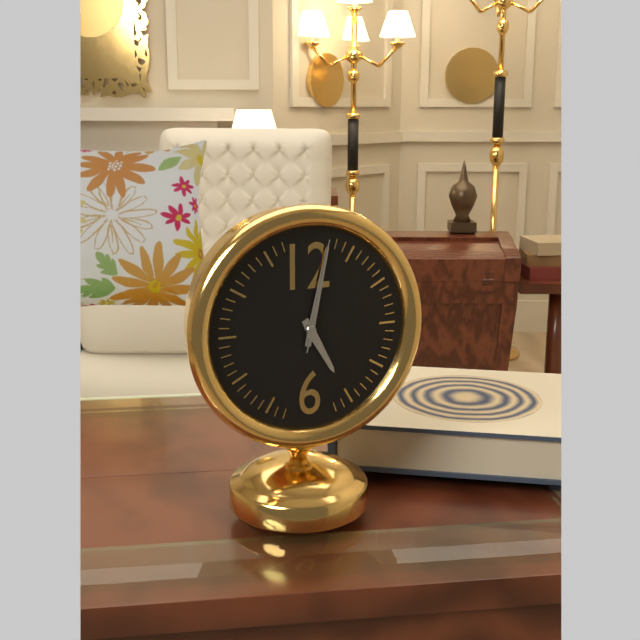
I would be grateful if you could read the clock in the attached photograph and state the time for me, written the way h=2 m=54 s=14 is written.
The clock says h=5 m=2 s=2
